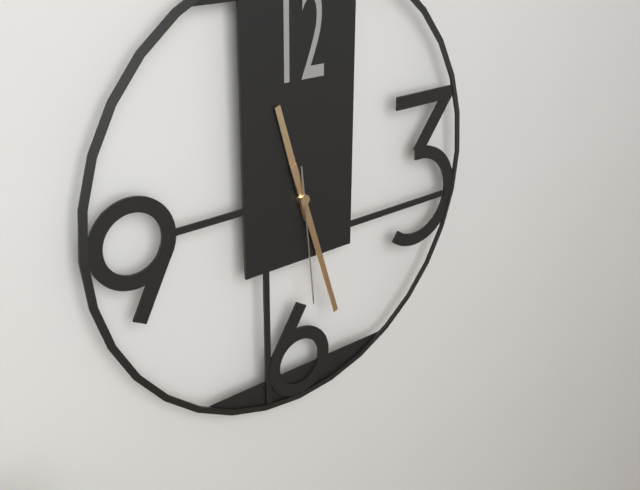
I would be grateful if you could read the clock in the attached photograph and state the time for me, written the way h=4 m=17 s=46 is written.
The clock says h=11 m=27 s=29
